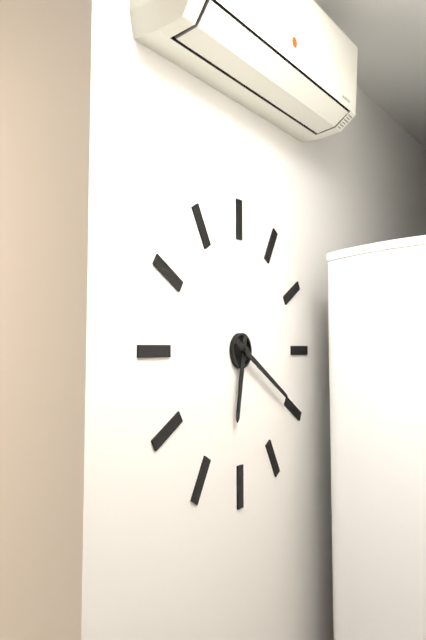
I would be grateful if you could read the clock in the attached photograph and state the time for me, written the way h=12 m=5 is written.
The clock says h=6 m=20
